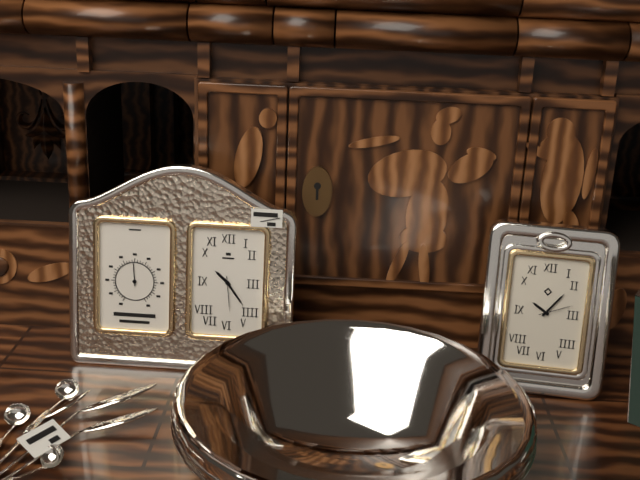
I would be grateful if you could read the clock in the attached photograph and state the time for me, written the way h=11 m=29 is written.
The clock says h=10 m=24
